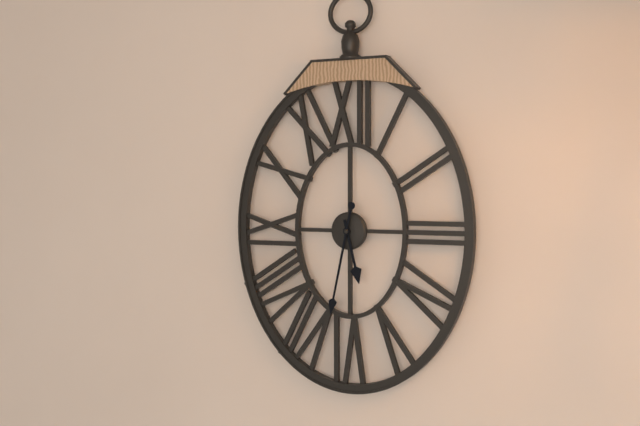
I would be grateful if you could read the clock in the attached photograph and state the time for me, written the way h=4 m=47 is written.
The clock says h=5 m=32
